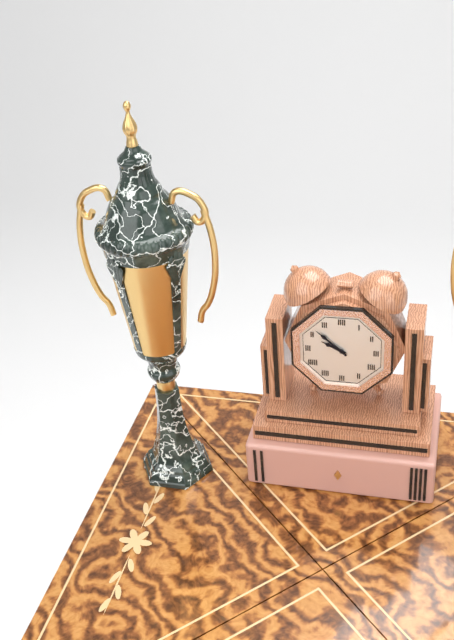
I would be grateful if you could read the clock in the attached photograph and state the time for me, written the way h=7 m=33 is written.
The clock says h=9 m=52
